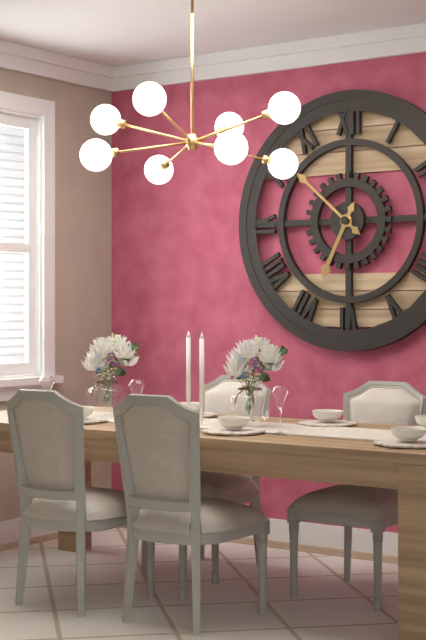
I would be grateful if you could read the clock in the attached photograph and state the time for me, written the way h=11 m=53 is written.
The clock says h=6 m=52
